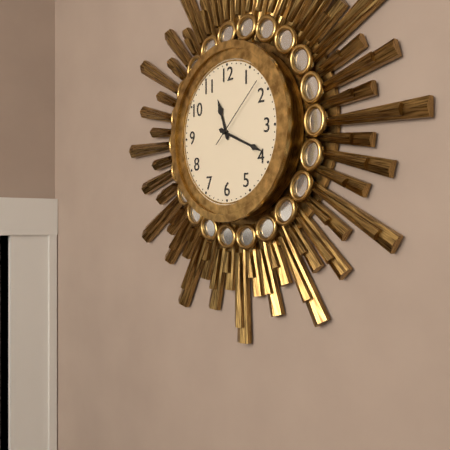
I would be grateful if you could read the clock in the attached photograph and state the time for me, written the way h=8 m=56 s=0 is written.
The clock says h=11 m=19 s=8
